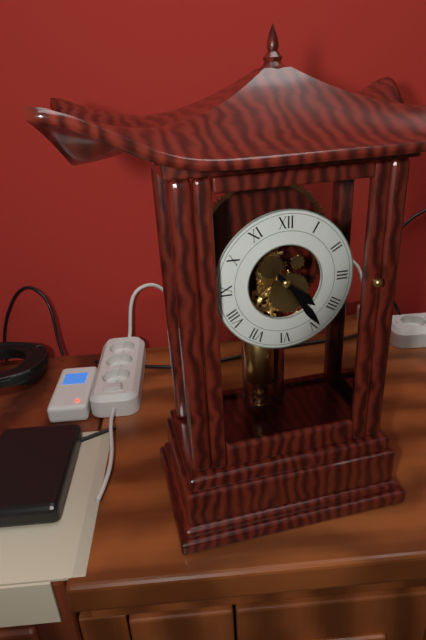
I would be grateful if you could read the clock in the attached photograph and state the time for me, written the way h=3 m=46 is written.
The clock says h=4 m=24
